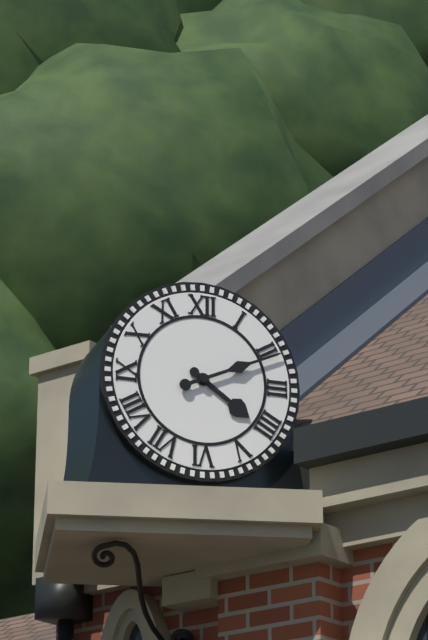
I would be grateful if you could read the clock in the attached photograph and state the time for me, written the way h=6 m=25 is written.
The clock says h=4 m=11
